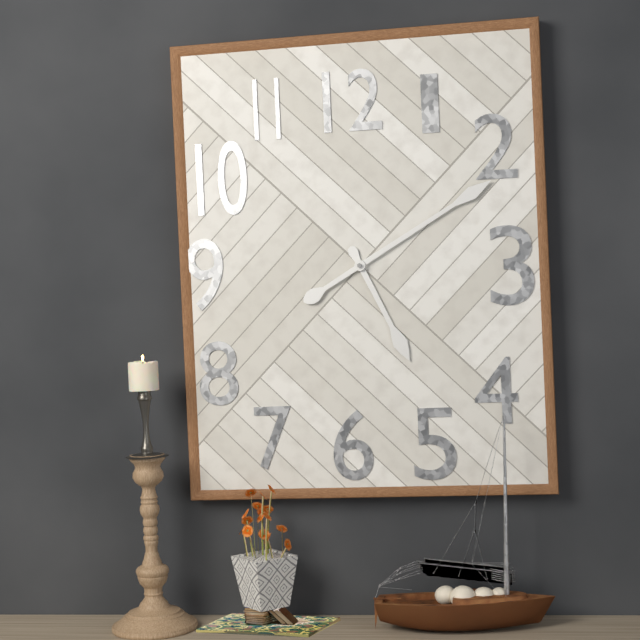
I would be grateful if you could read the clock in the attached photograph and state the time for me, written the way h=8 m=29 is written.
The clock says h=5 m=10
